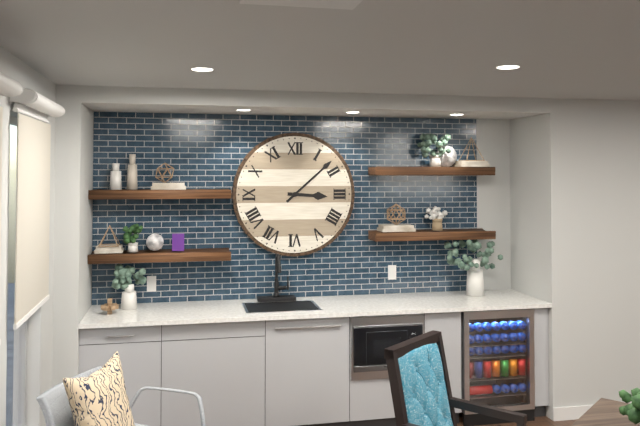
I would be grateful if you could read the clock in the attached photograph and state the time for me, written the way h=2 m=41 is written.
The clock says h=3 m=8
